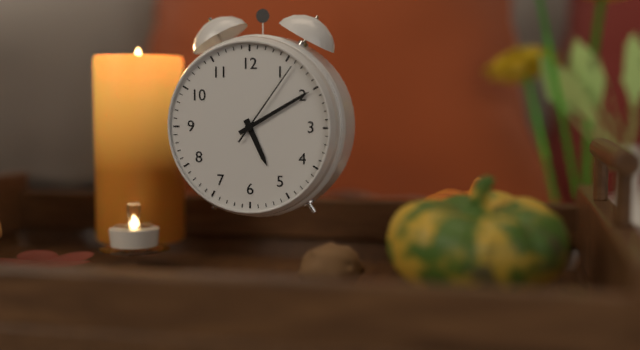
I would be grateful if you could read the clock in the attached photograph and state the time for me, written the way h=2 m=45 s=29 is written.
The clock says h=5 m=10 s=6
